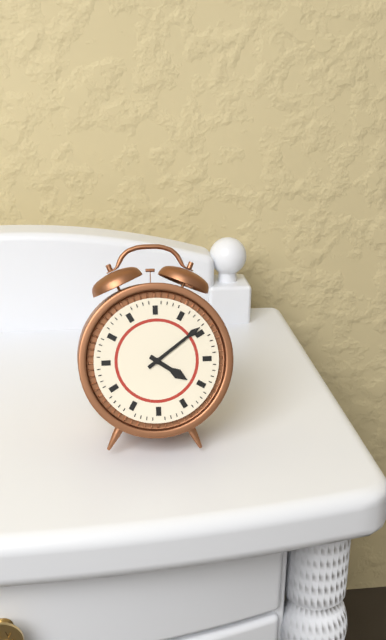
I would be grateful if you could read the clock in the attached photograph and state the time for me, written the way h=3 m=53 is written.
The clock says h=4 m=9
